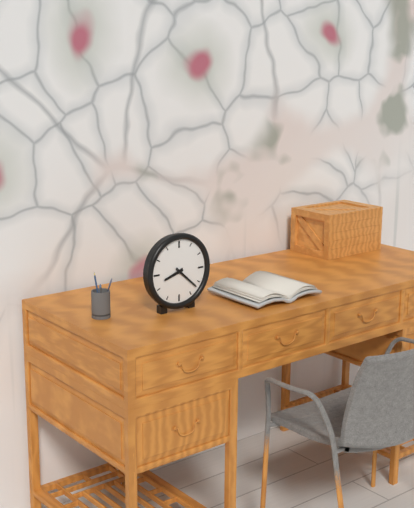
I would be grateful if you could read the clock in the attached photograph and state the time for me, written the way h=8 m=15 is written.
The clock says h=8 m=22
